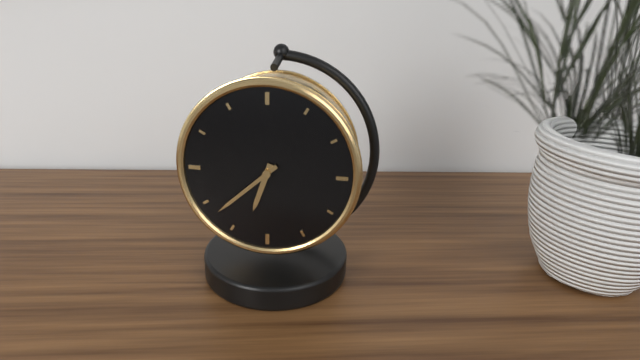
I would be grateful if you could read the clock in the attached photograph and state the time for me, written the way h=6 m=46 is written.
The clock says h=6 m=38
